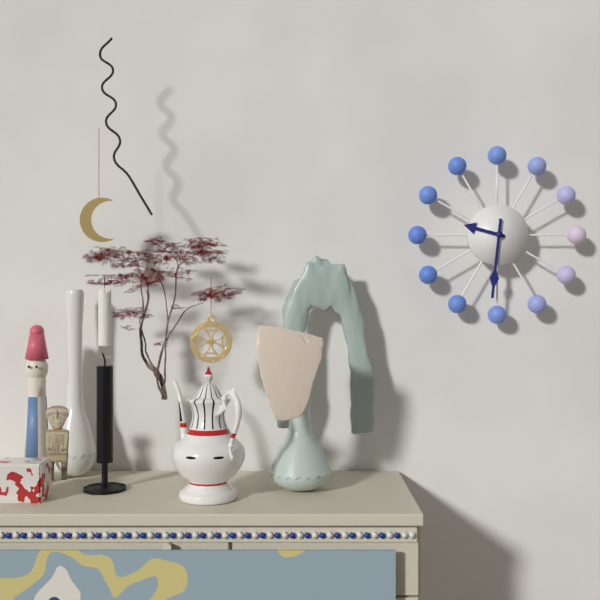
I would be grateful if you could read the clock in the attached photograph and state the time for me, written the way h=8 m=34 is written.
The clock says h=9 m=31
